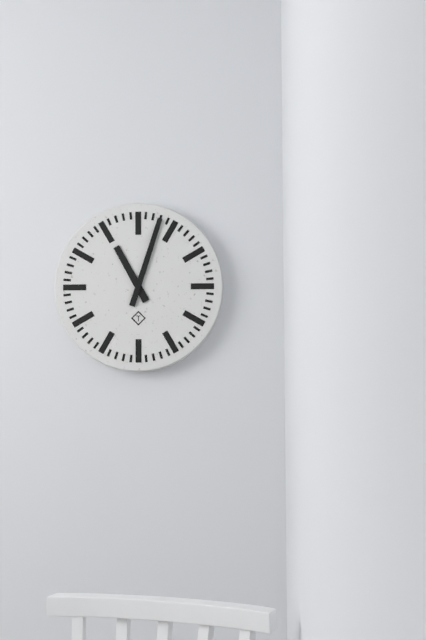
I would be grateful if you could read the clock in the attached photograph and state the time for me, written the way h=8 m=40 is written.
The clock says h=11 m=3
